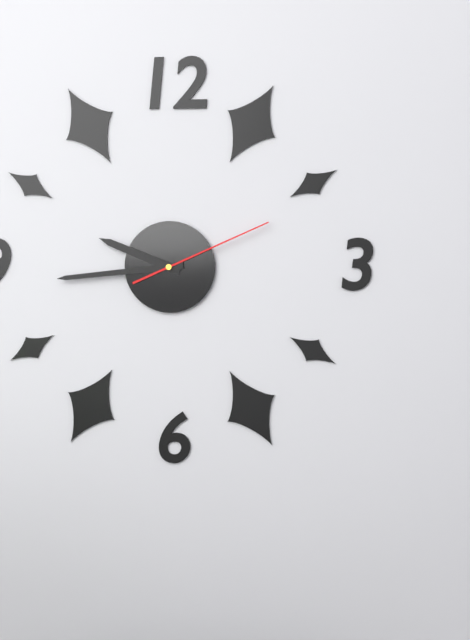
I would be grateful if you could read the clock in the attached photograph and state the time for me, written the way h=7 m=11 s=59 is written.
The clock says h=9 m=44 s=11
